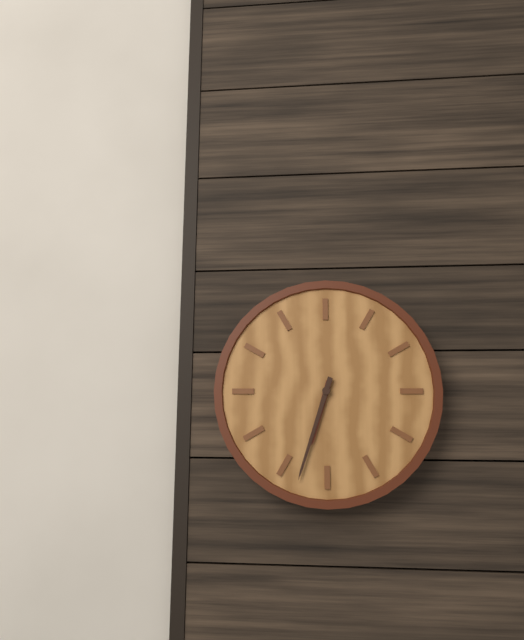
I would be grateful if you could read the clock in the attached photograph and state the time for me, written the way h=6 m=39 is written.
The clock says h=6 m=33
